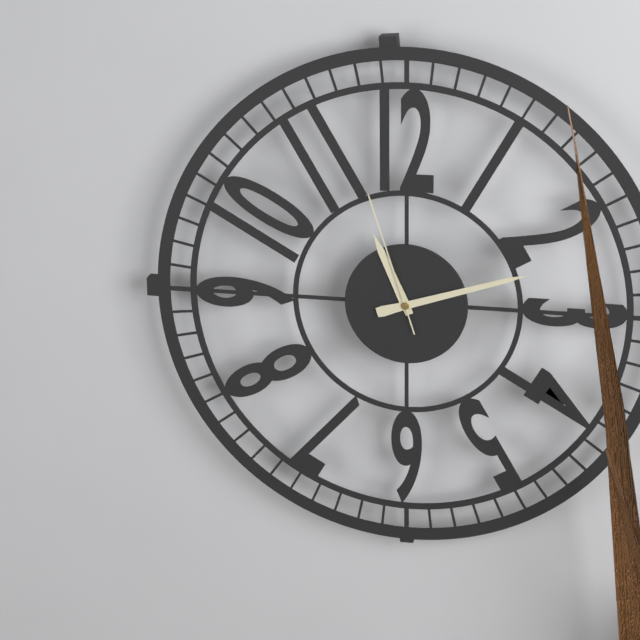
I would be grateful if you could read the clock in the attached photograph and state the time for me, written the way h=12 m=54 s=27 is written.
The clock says h=11 m=12 s=57
